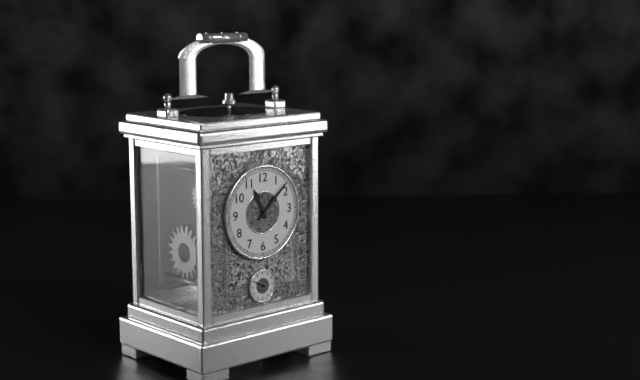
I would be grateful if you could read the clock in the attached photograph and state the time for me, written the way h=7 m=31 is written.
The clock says h=11 m=8
